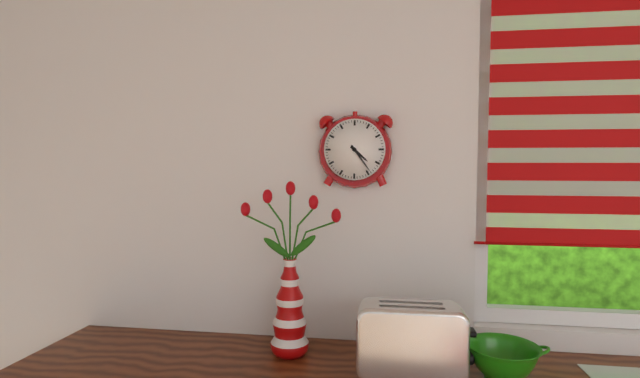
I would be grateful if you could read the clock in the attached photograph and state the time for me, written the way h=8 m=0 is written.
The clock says h=4 m=24
